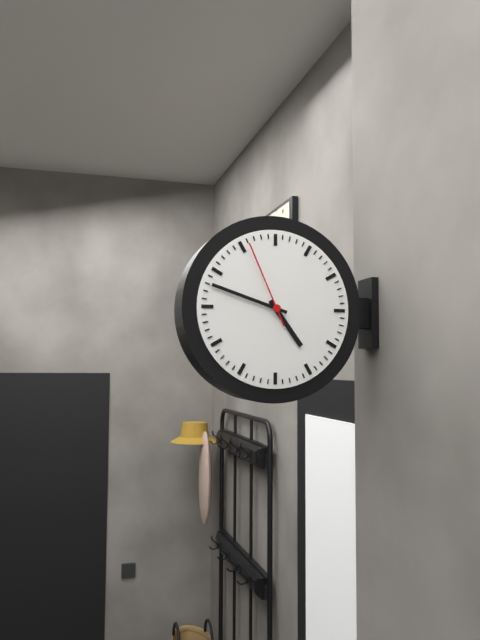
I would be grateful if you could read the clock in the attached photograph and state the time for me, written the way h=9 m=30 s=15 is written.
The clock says h=4 m=48 s=56
